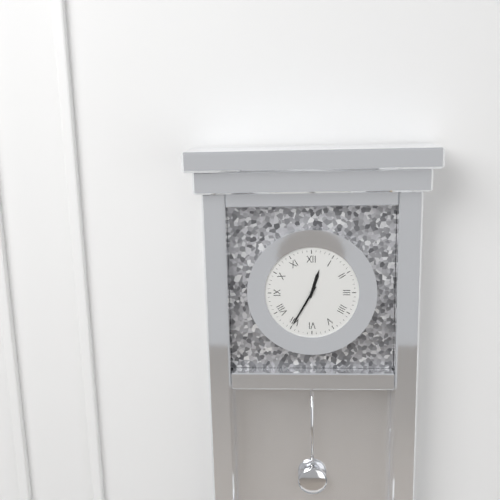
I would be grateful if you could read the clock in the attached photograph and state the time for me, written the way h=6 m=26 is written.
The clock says h=12 m=35
